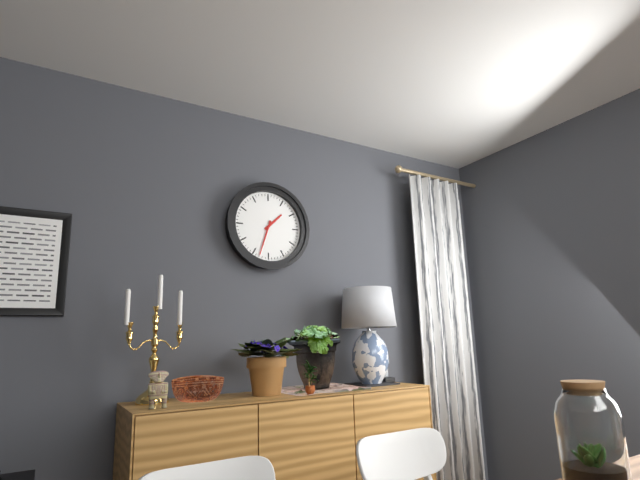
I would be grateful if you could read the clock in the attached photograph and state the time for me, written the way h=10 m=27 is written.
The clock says h=1 m=33
